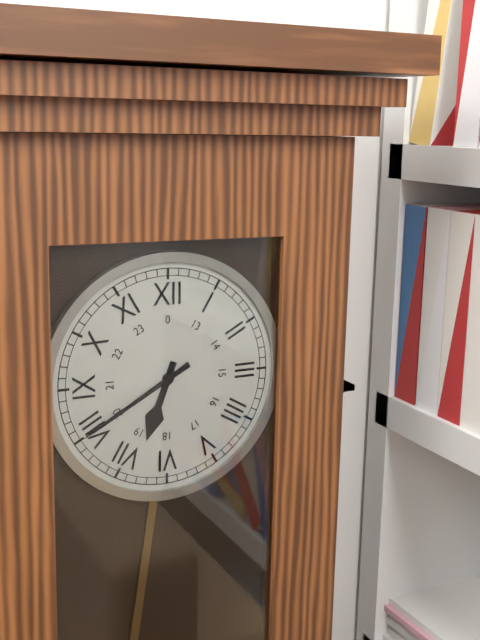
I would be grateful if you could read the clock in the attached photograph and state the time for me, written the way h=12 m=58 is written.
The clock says h=6 m=40
